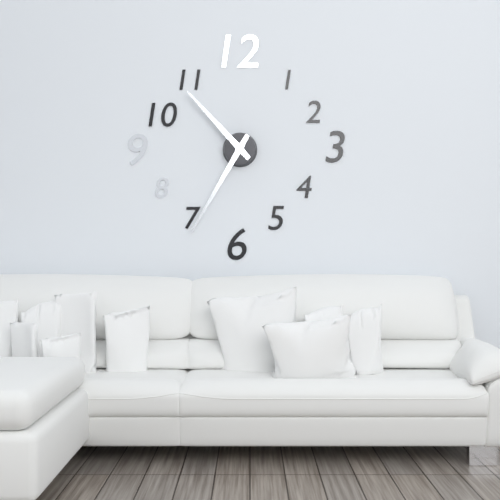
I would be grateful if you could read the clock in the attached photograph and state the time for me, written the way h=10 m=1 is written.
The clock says h=10 m=35
